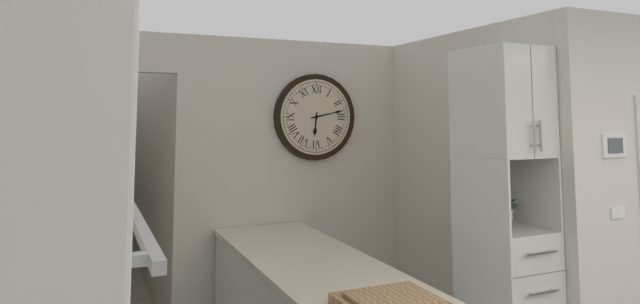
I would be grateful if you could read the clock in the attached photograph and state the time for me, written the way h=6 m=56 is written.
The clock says h=6 m=13
